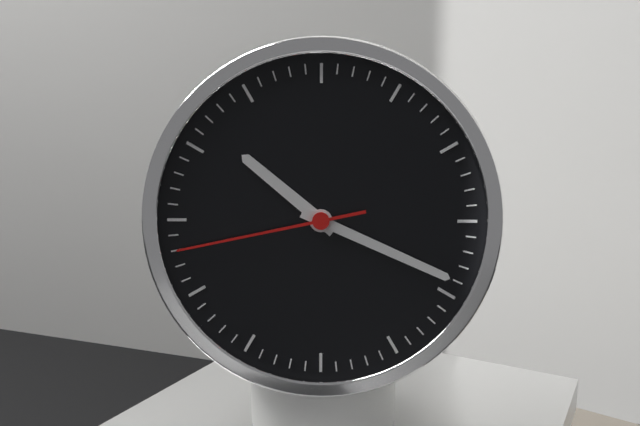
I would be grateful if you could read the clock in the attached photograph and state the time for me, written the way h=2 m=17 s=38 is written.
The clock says h=10 m=19 s=43
